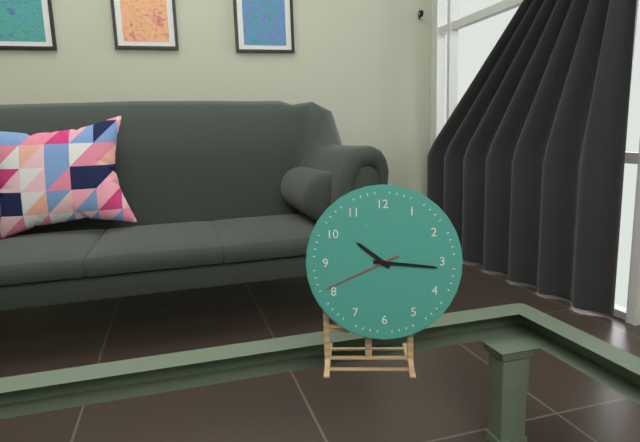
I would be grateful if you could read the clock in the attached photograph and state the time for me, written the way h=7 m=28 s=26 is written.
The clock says h=10 m=16 s=41
